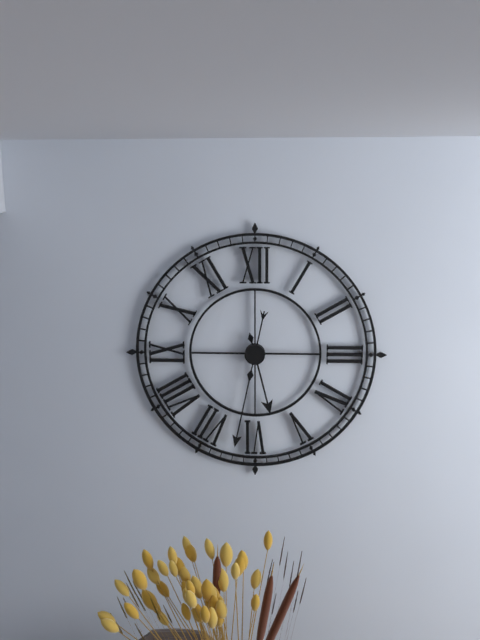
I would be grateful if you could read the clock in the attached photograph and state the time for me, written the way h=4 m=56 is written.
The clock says h=5 m=32
